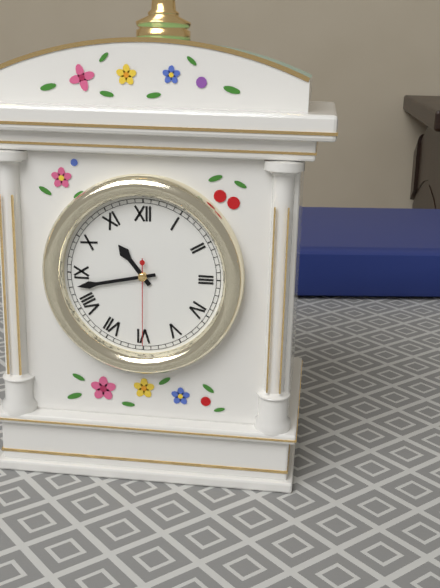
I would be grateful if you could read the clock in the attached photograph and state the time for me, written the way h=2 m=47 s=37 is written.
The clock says h=10 m=43 s=30
